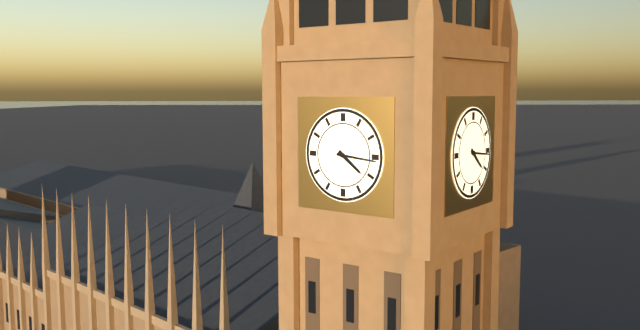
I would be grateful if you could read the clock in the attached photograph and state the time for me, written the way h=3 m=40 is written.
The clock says h=4 m=16
